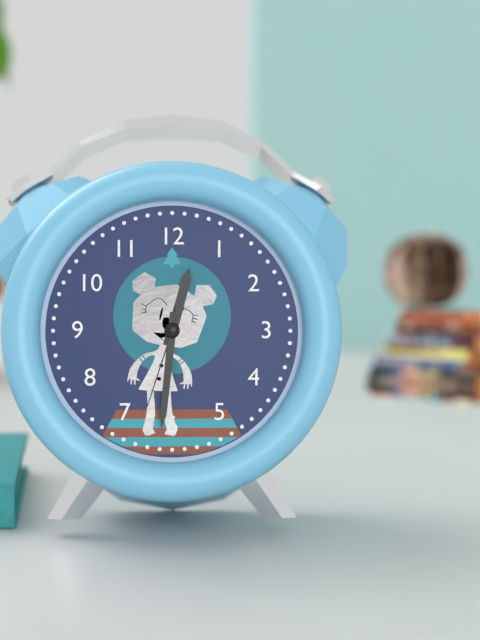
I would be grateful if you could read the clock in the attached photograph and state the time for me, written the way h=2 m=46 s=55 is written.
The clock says h=12 m=31 s=33
